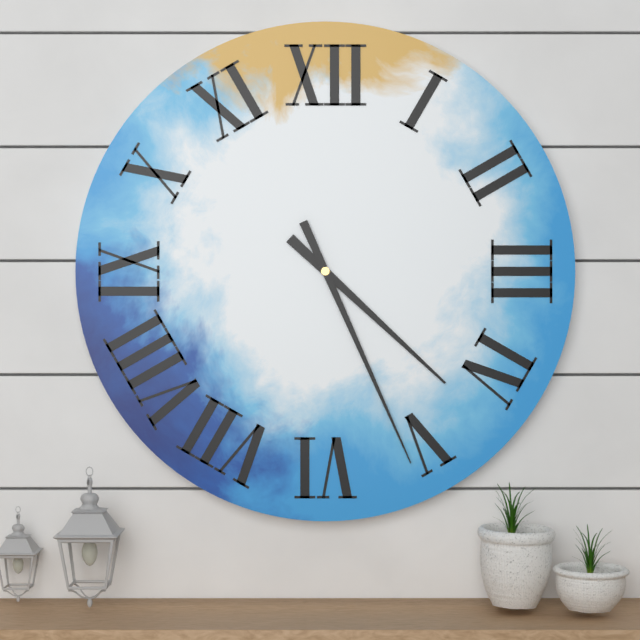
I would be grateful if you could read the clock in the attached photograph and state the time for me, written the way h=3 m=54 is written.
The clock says h=4 m=26
